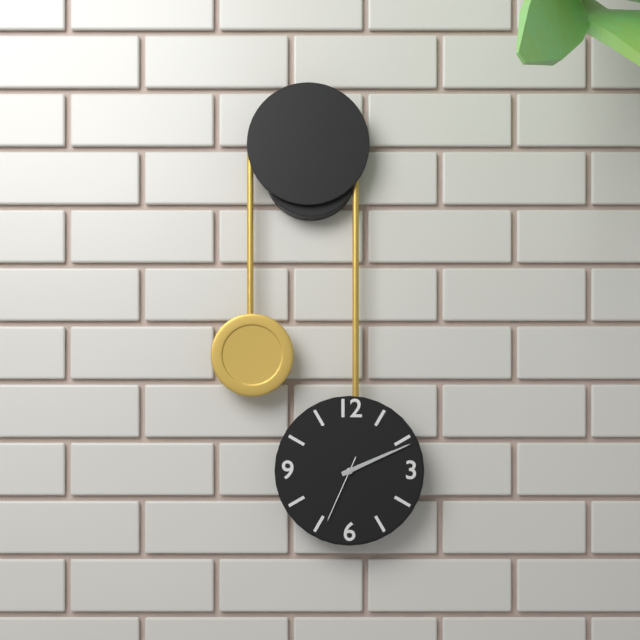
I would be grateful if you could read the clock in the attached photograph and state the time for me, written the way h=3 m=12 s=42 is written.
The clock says h=2 m=11 s=34
